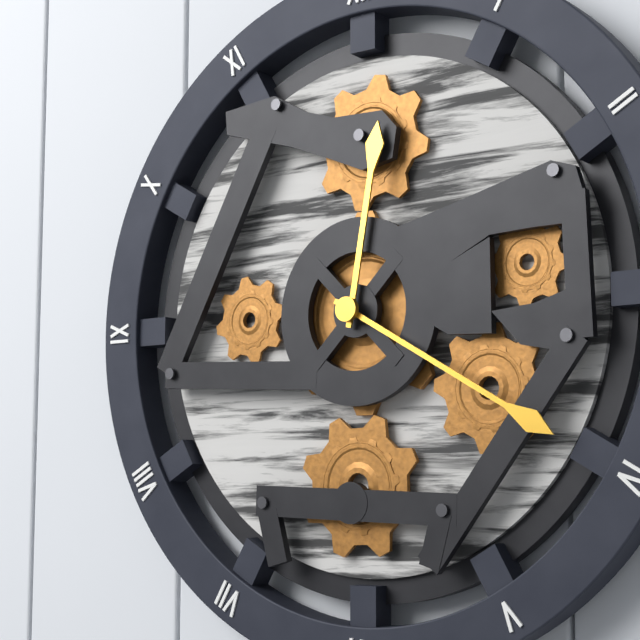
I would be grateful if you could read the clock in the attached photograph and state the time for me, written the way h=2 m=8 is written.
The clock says h=12 m=20
